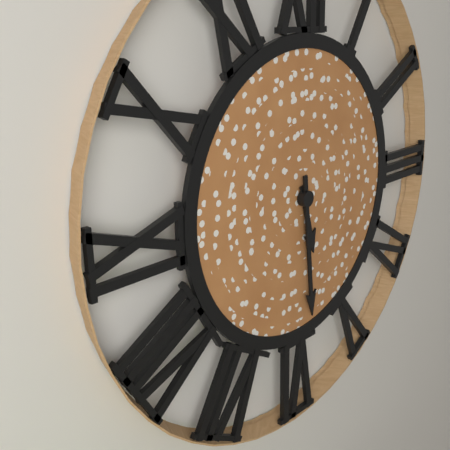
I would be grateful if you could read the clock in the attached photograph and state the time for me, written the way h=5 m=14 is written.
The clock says h=5 m=29
